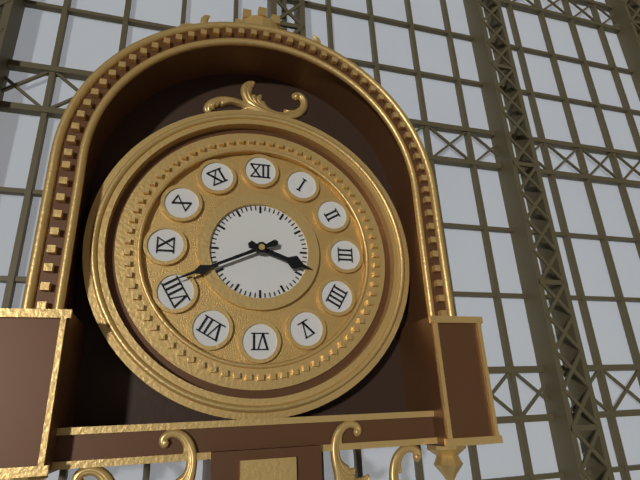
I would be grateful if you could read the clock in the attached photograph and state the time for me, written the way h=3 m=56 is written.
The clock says h=3 m=41
